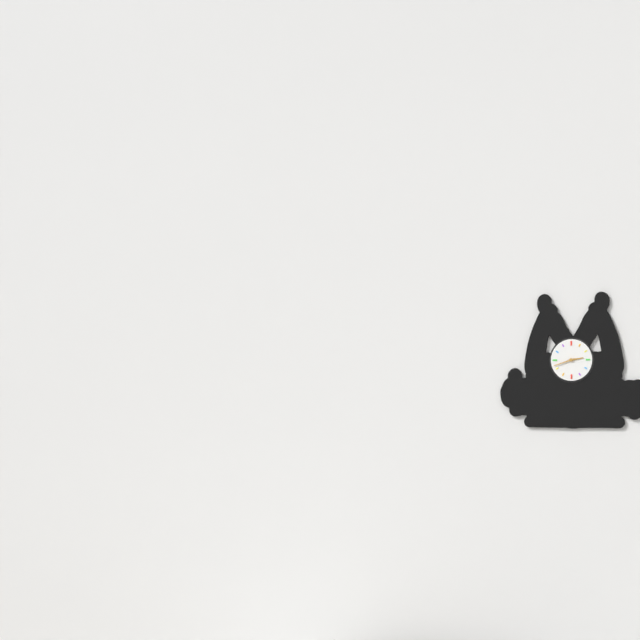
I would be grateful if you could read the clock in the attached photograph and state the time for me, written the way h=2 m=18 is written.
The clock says h=2 m=42
